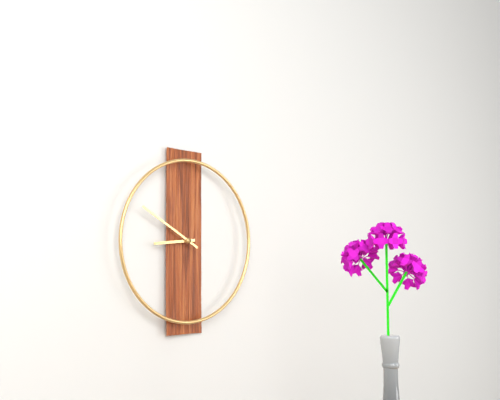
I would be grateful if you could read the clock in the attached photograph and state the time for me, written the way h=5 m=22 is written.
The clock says h=8 m=50
